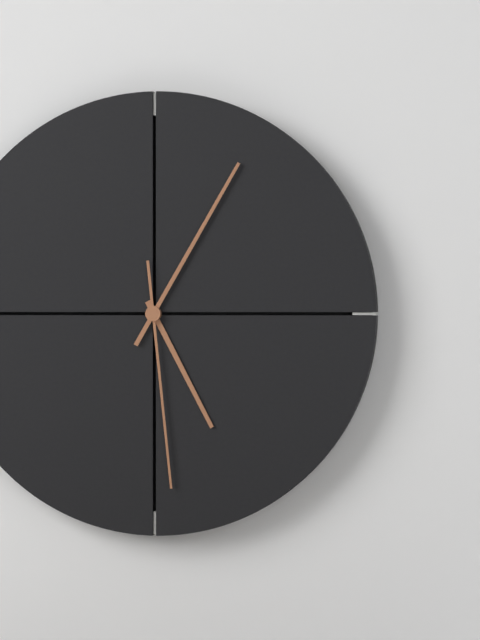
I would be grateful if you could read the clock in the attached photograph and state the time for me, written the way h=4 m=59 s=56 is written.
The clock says h=5 m=5 s=29
